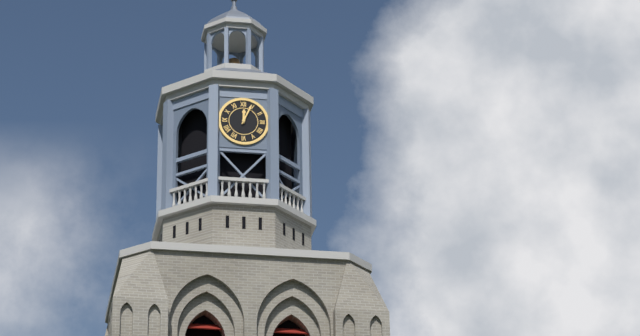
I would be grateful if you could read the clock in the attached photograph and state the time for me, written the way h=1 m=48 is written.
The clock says h=12 m=4
